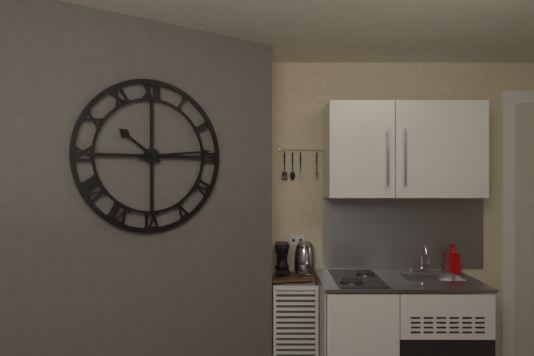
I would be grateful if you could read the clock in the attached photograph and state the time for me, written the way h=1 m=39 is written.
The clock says h=10 m=14
